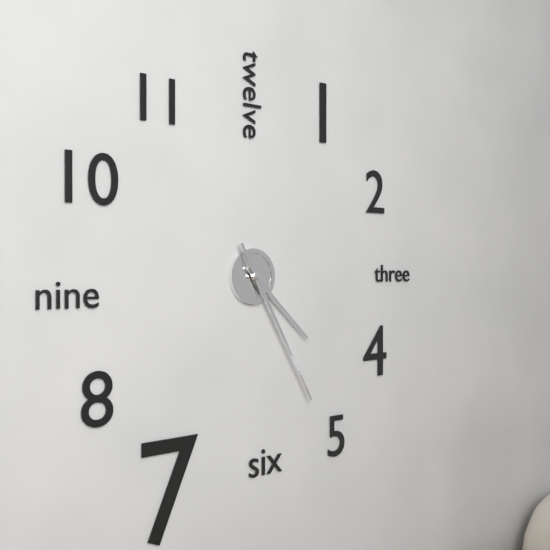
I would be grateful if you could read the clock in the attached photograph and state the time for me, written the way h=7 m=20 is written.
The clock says h=4 m=25
